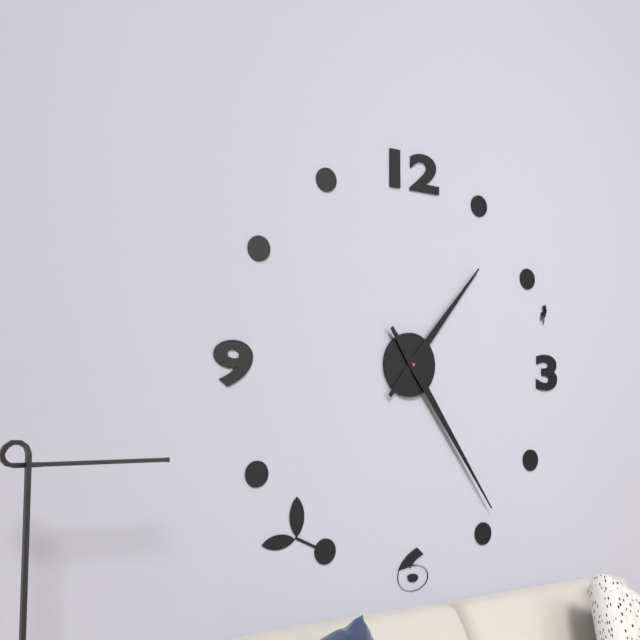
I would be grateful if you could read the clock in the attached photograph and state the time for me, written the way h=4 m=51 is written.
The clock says h=1 m=24
